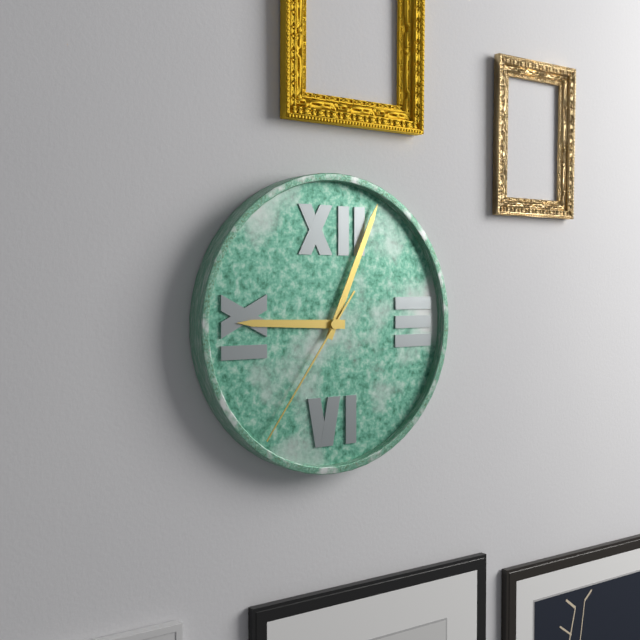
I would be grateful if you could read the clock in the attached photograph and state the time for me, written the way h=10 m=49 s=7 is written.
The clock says h=9 m=4 s=36
